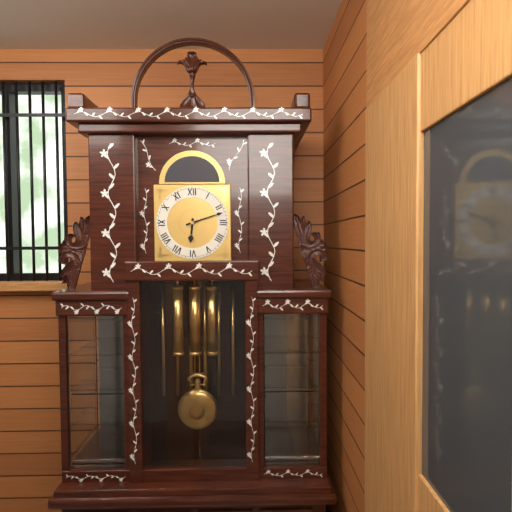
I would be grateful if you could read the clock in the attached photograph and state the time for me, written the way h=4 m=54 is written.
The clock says h=6 m=12
